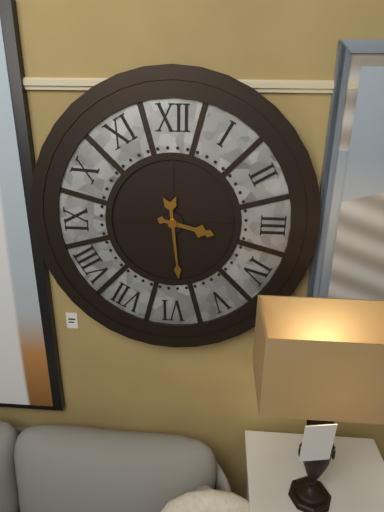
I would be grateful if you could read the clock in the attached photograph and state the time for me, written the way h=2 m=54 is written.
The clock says h=3 m=29
